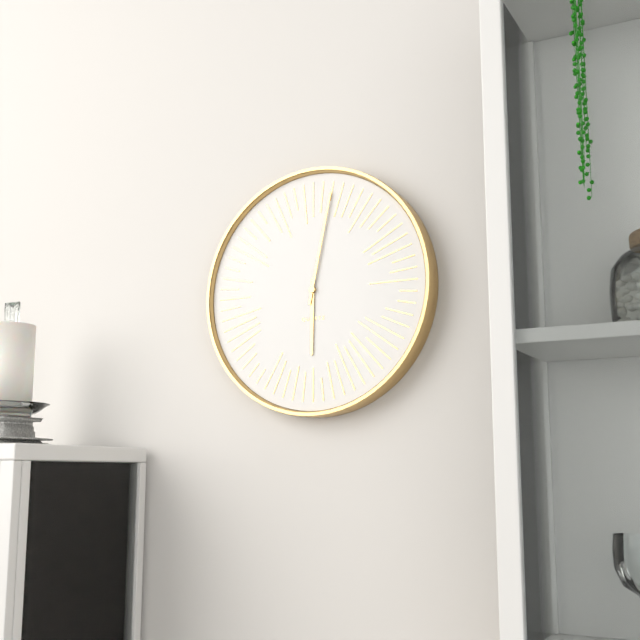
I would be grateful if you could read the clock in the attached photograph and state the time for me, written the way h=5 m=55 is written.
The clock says h=6 m=2
